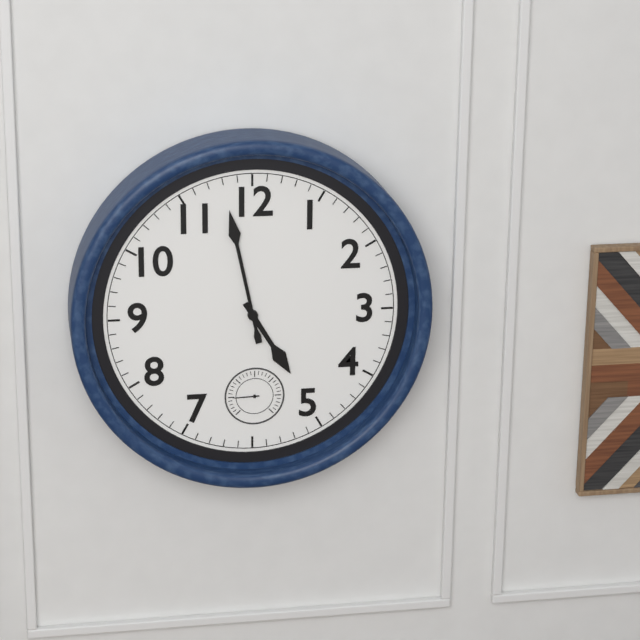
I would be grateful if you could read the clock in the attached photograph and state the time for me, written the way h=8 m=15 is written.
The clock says h=4 m=58
